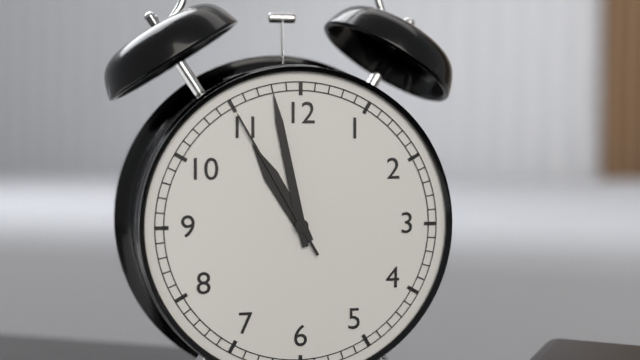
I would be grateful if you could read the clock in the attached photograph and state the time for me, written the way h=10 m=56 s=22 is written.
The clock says h=10 m=58 s=55
